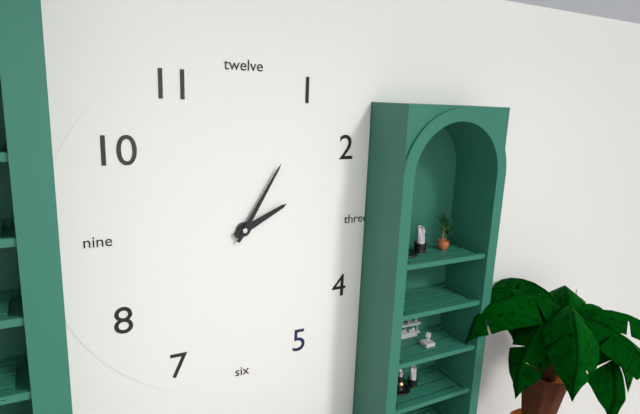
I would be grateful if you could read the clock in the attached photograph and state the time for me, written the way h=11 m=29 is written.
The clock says h=2 m=5
